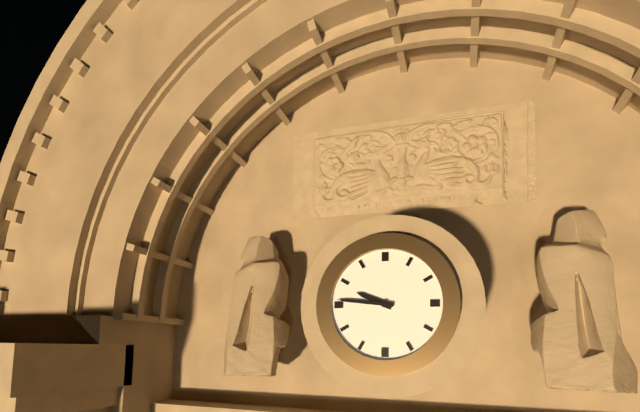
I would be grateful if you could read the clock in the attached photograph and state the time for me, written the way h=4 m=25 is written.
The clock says h=9 m=46
